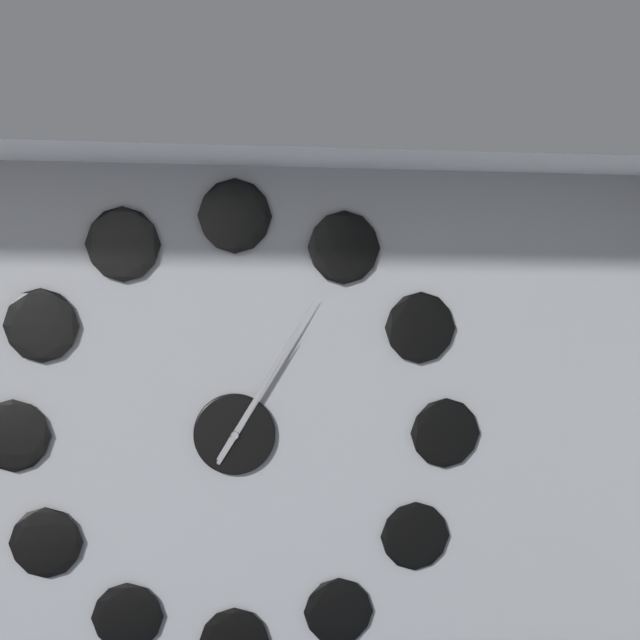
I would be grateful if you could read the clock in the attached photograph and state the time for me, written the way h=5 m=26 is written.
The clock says h=1 m=5
